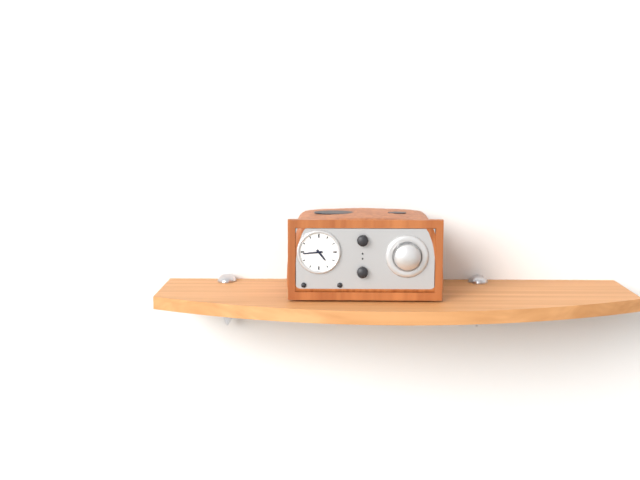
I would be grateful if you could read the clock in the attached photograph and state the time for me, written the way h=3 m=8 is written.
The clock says h=4 m=44
